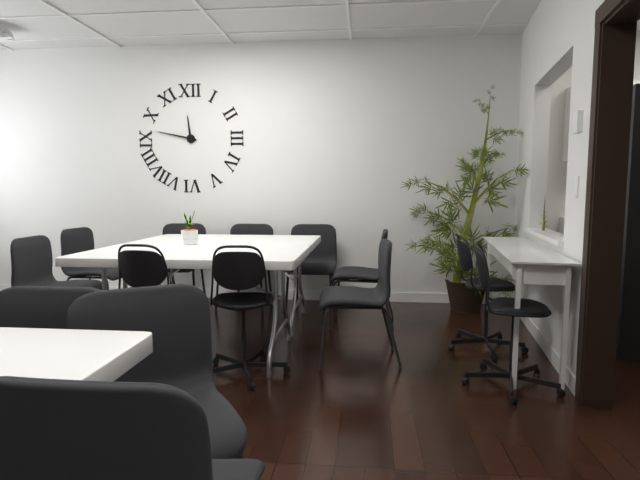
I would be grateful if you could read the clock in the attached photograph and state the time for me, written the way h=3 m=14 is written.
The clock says h=11 m=47
